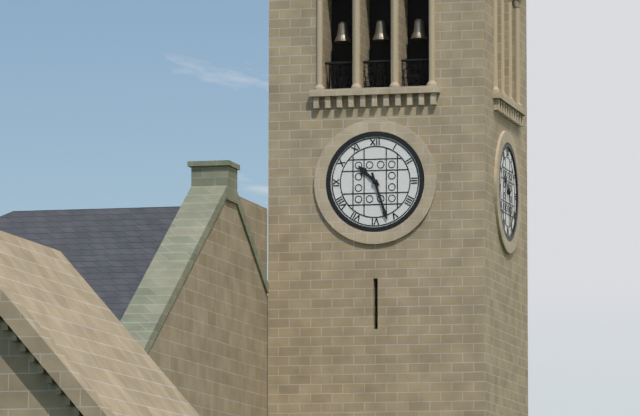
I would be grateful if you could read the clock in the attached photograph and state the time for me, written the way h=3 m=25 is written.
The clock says h=10 m=27
